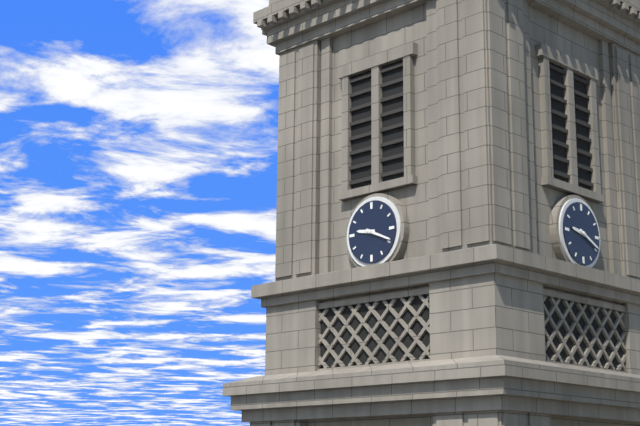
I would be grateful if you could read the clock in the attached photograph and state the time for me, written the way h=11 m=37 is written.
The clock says h=9 m=19
